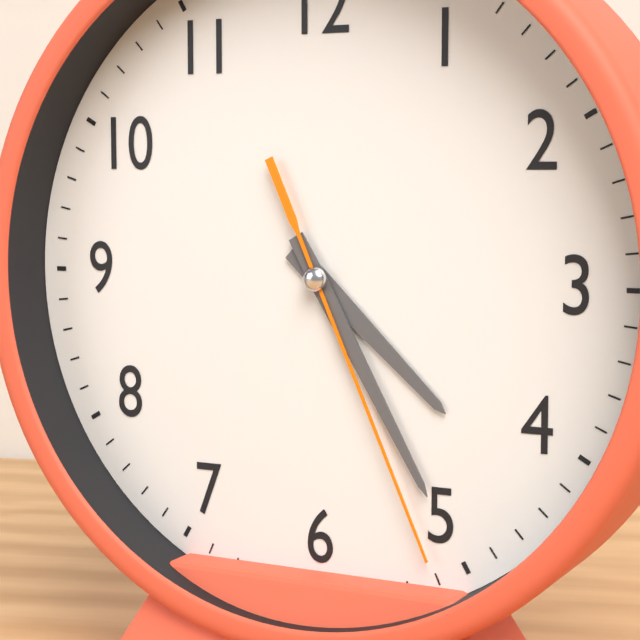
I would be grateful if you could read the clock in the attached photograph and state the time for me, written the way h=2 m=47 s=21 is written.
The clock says h=4 m=25 s=26
